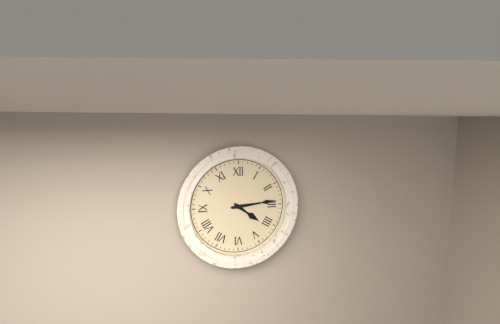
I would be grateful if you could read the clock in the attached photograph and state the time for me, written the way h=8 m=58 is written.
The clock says h=4 m=14
